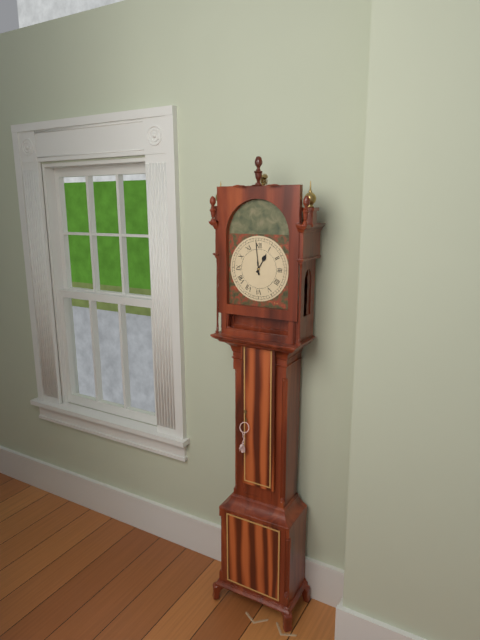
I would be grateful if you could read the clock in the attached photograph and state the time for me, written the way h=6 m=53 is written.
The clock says h=12 m=59
